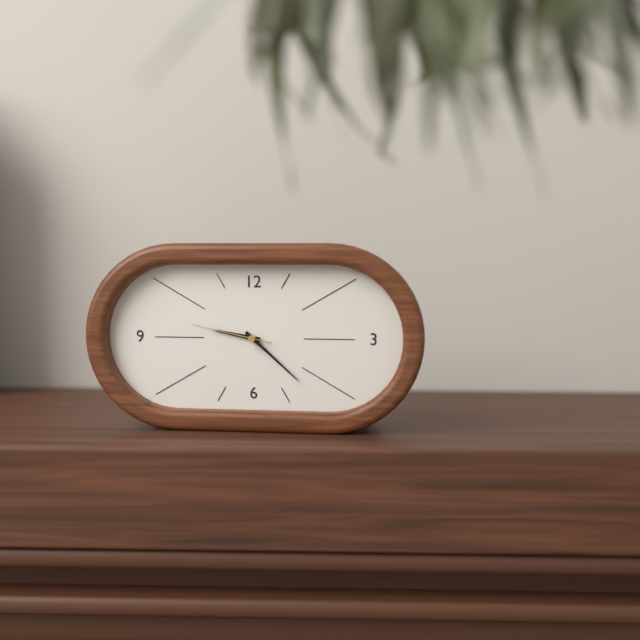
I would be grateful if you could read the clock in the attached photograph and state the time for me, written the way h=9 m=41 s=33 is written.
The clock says h=9 m=22 s=47
